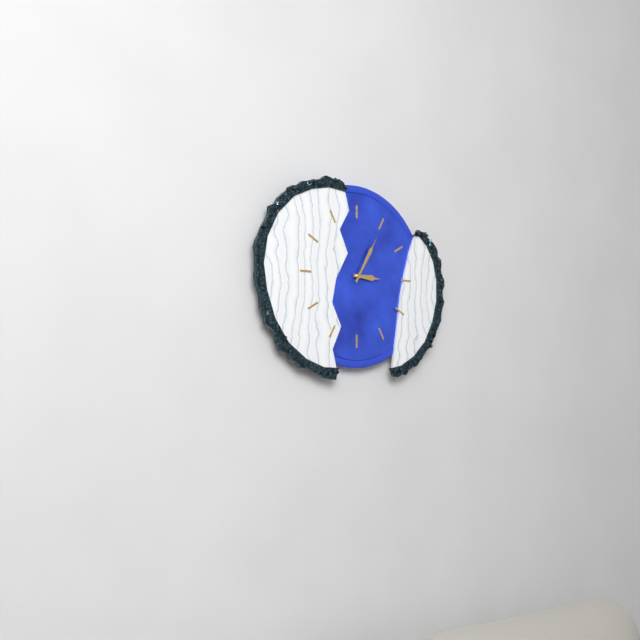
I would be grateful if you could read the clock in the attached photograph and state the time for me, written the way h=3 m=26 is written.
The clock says h=3 m=5
